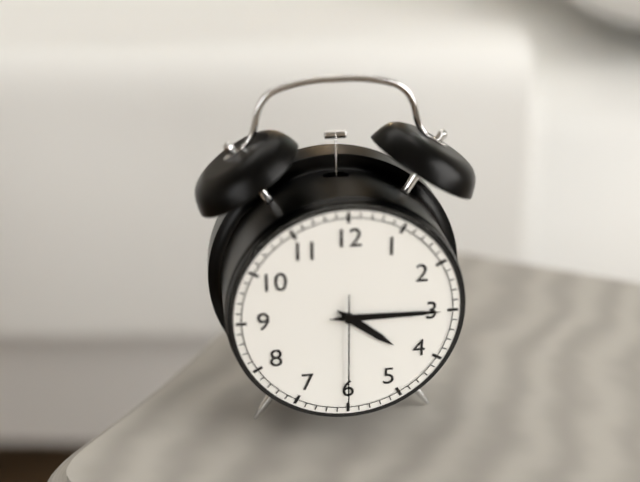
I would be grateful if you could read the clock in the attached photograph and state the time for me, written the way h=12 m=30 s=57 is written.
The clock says h=4 m=15 s=30
